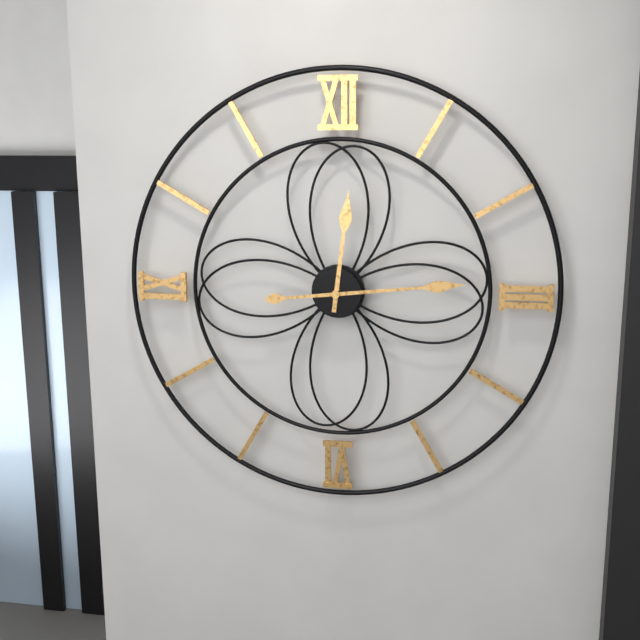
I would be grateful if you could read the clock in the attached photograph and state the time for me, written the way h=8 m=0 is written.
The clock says h=12 m=14
